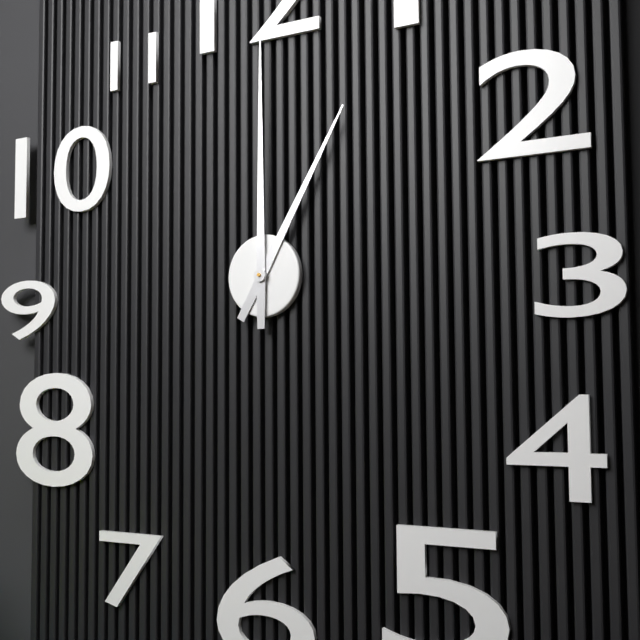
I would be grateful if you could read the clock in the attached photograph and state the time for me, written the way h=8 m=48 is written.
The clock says h=1 m=0
